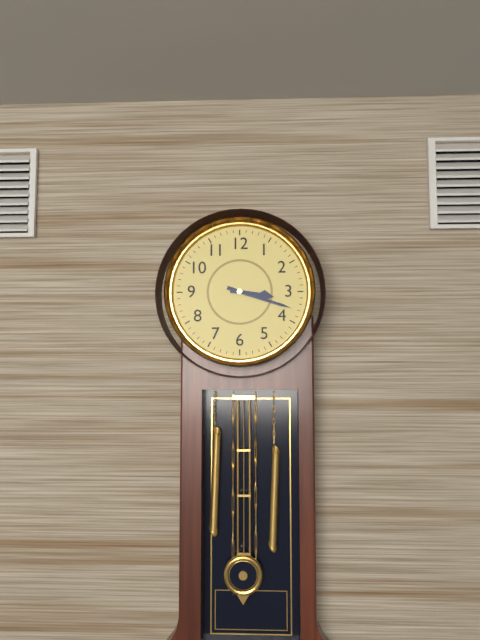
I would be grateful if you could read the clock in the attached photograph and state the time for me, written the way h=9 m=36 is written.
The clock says h=3 m=18
